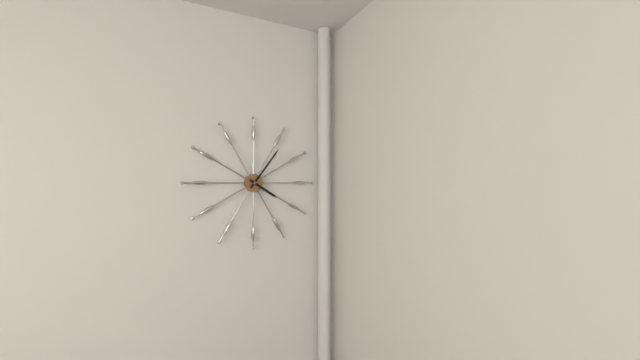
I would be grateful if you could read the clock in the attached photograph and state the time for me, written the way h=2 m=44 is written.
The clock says h=4 m=6
